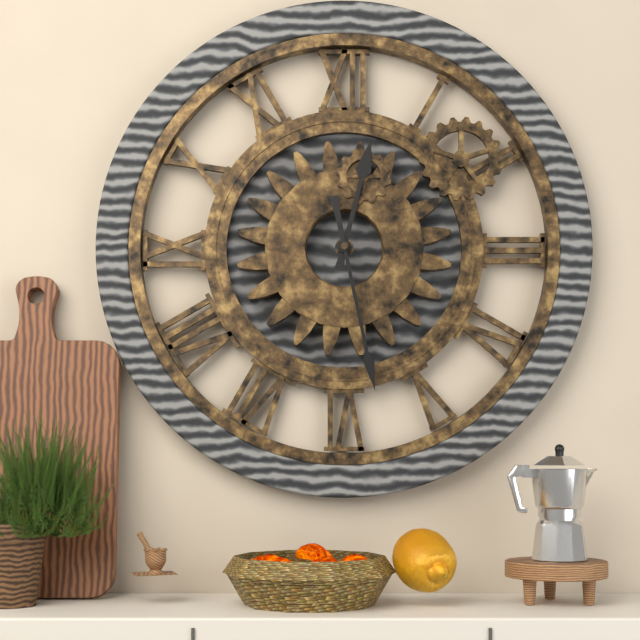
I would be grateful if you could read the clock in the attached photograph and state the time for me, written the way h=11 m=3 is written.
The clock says h=12 m=28
